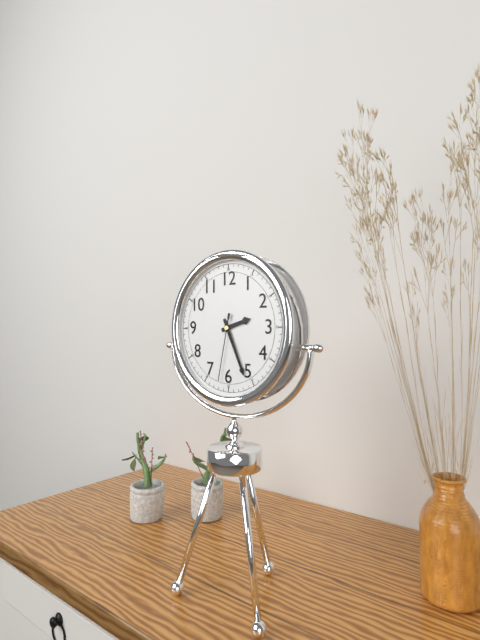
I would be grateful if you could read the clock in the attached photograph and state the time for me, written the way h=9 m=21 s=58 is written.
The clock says h=2 m=26 s=32
